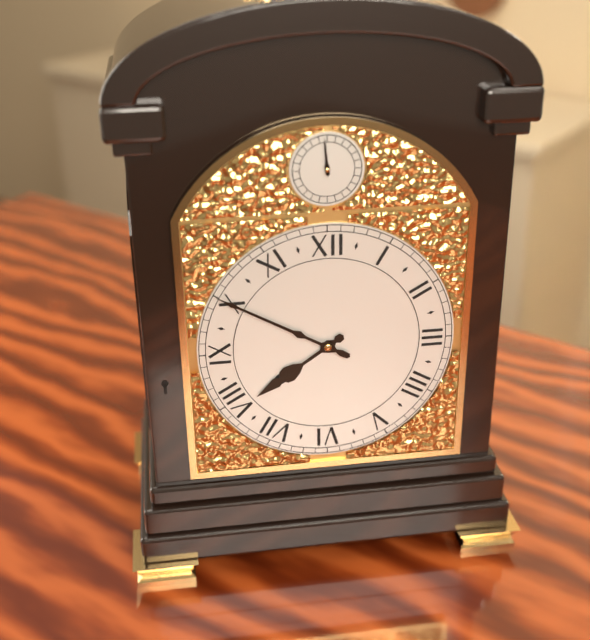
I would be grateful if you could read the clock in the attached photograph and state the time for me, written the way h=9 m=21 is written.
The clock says h=7 m=50
